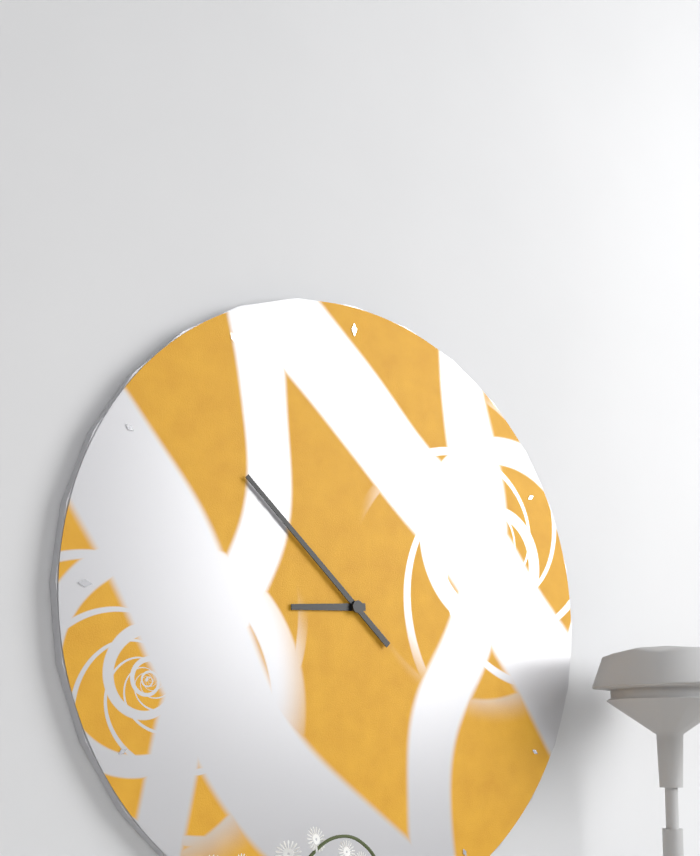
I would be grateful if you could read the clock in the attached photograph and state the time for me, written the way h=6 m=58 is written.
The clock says h=8 m=52
